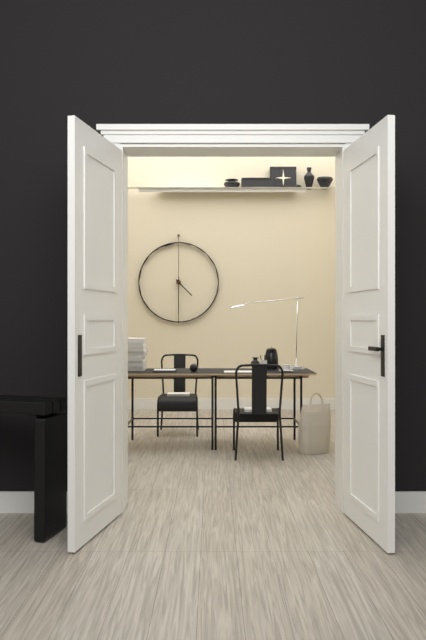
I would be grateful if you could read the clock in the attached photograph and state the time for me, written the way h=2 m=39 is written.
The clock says h=4 m=30
